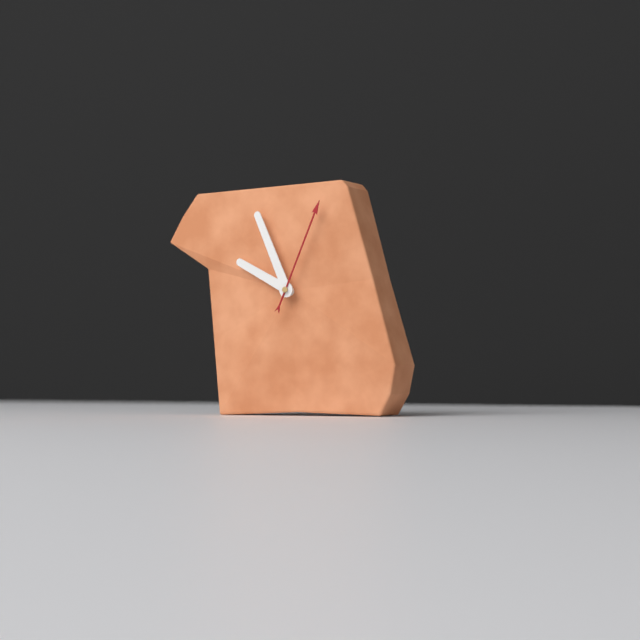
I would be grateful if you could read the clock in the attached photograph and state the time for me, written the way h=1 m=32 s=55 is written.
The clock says h=9 m=56 s=4
